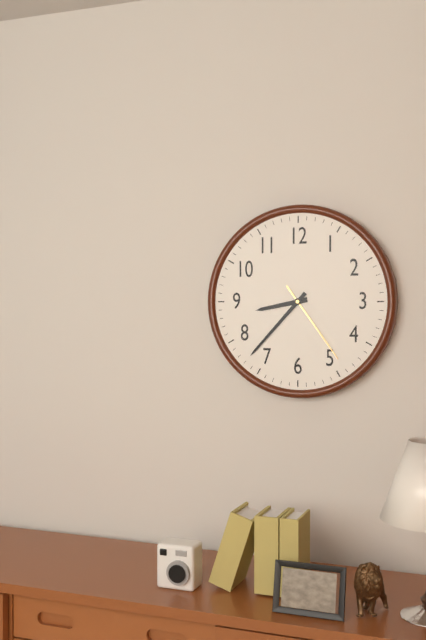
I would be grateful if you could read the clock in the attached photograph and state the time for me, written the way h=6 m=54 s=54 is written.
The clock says h=8 m=37 s=24
